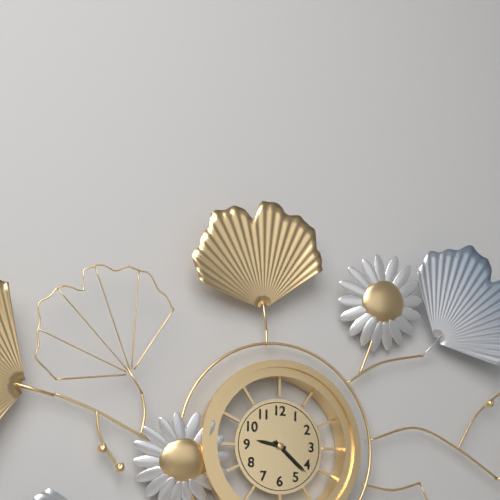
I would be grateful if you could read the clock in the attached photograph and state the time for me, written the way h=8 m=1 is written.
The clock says h=9 m=22
